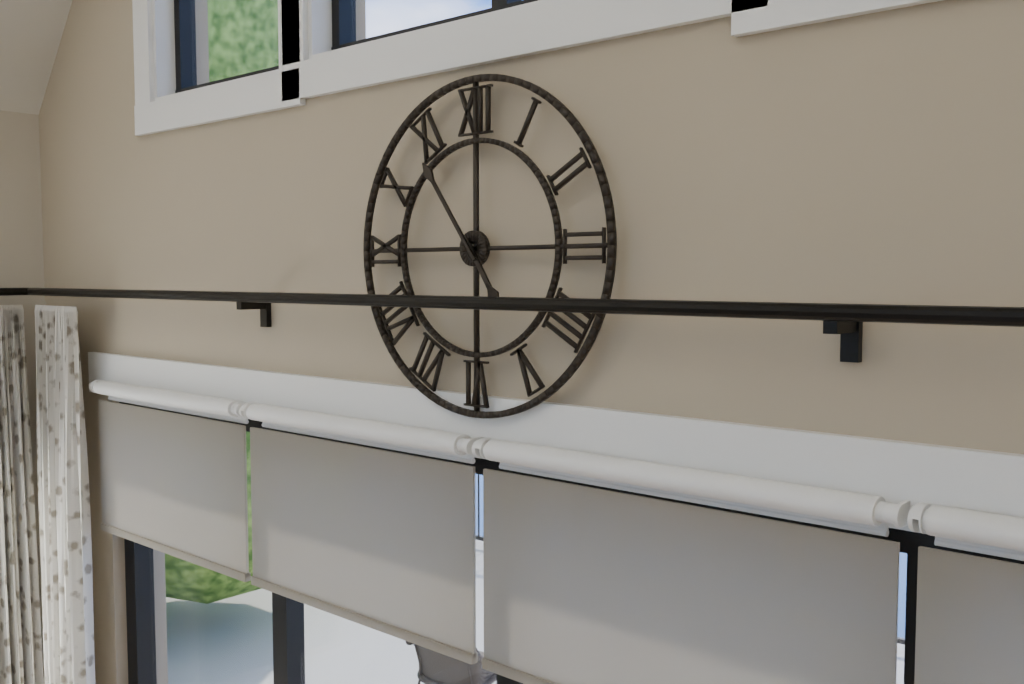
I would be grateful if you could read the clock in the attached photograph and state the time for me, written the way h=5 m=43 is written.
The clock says h=4 m=54
